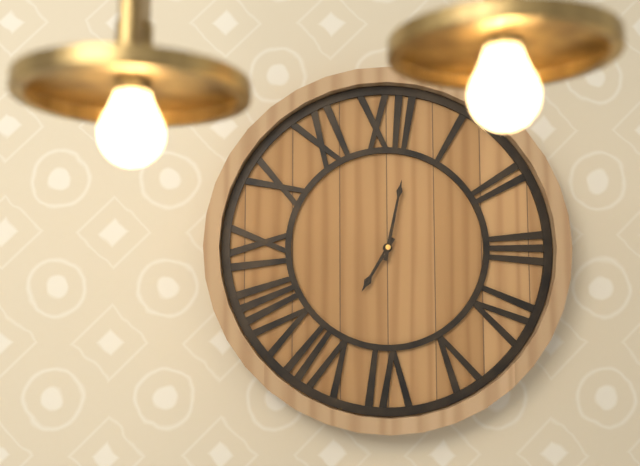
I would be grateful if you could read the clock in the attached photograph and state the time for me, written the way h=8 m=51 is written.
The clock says h=7 m=2
